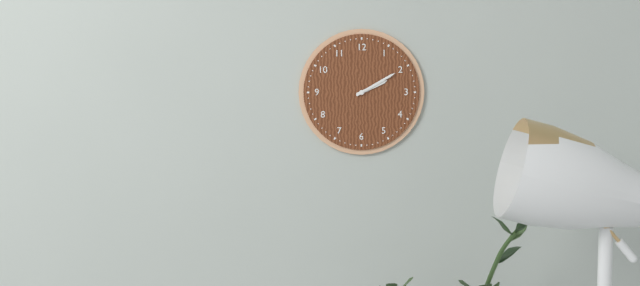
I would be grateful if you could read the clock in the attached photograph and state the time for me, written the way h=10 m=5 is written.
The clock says h=2 m=10
